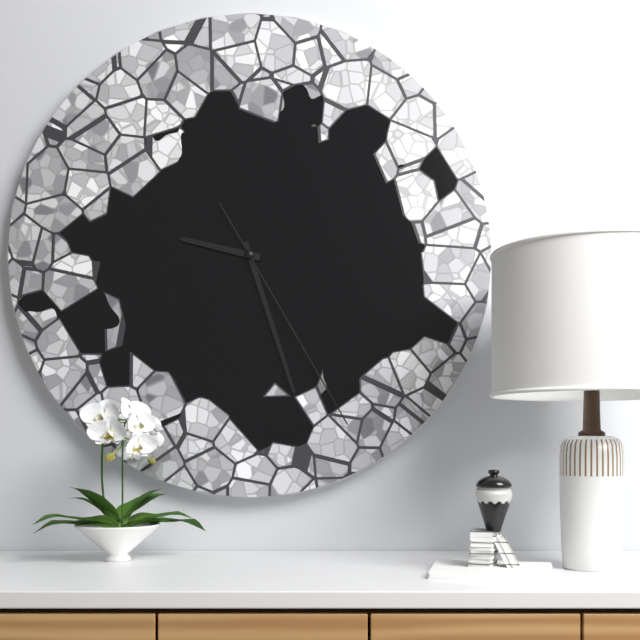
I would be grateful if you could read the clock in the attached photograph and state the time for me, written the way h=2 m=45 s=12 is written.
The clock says h=9 m=27 s=25
